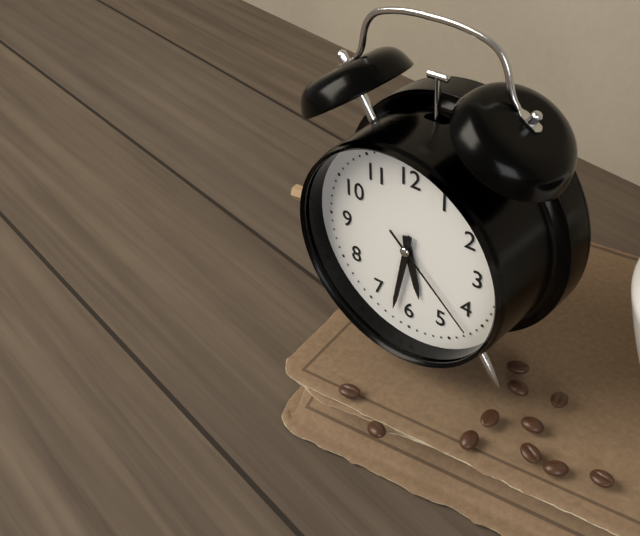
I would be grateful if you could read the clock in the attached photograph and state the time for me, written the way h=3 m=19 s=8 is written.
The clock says h=5 m=32 s=22
